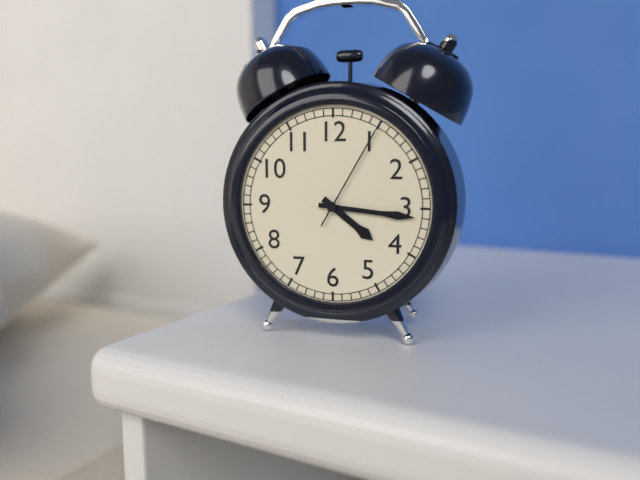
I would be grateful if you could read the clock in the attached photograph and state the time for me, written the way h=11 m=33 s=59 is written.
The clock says h=4 m=16 s=5
